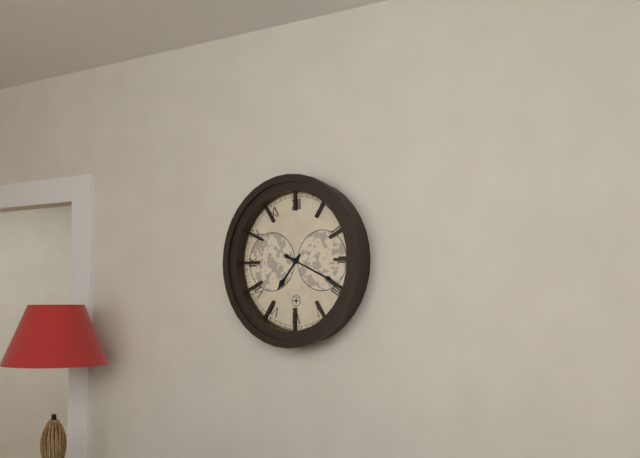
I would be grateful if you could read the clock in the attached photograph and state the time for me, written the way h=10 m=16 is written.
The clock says h=7 m=19
